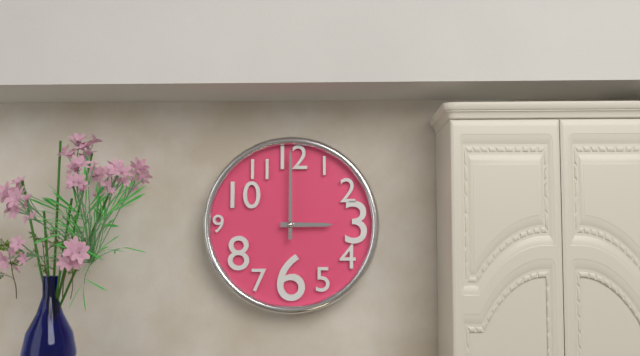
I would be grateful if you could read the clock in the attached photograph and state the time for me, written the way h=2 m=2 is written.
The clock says h=3 m=0
